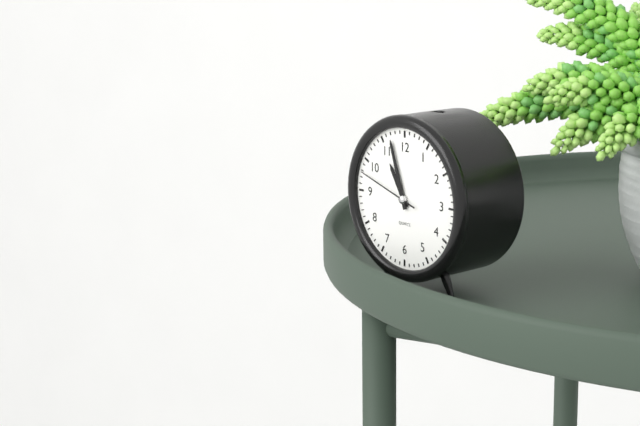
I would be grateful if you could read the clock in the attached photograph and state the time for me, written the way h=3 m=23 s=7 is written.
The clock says h=10 m=57 s=48
